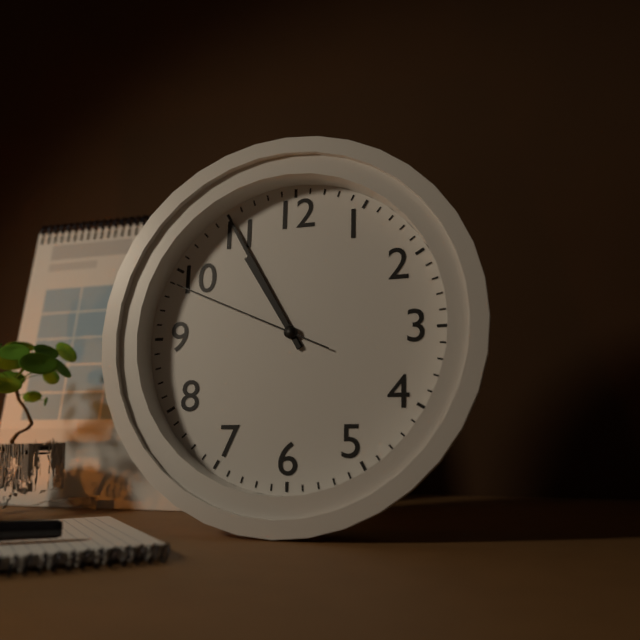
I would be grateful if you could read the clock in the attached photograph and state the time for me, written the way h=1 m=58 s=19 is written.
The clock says h=10 m=55 s=49
